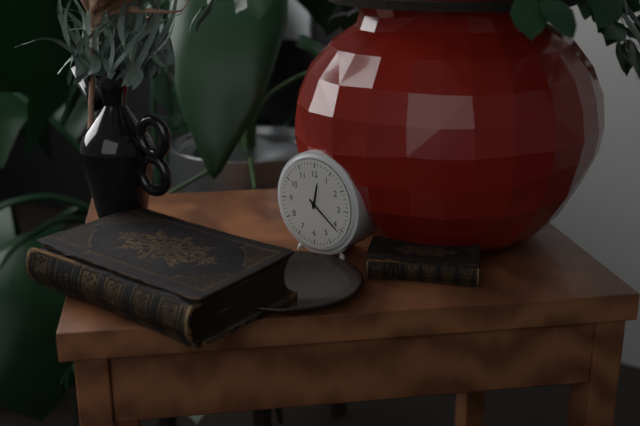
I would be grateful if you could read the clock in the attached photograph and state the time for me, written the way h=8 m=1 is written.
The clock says h=12 m=21
